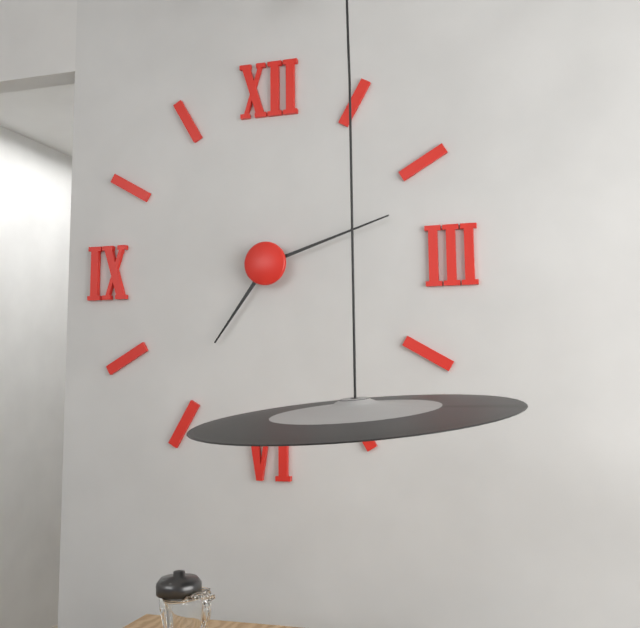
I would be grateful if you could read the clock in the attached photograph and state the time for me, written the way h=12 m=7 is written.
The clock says h=7 m=12
